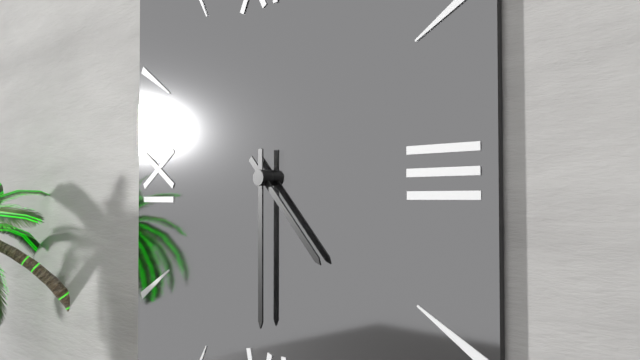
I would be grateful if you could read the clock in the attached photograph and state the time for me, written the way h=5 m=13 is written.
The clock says h=4 m=30
